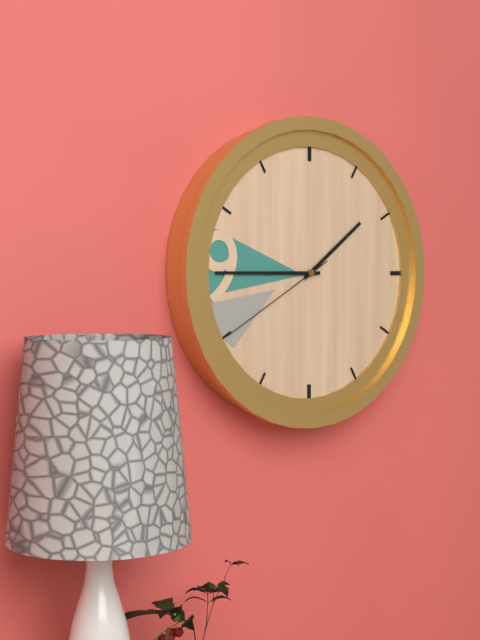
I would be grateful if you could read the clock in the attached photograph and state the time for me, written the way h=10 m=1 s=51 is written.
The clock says h=1 m=45 s=40
